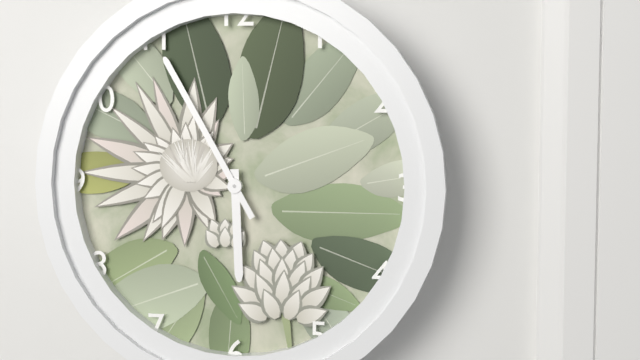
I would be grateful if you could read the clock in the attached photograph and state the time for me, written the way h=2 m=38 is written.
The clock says h=5 m=55
